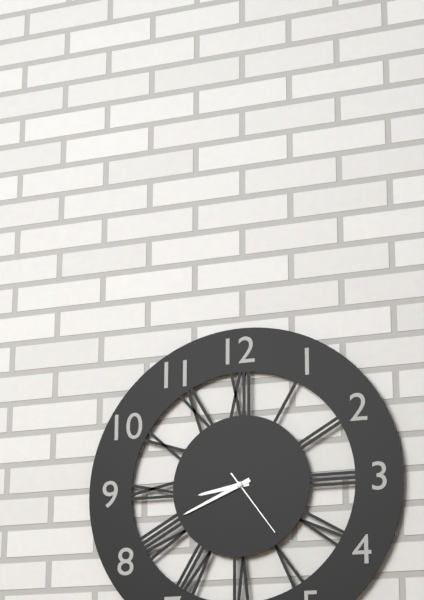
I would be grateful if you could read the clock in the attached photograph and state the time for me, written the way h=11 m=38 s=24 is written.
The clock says h=8 m=41 s=24
